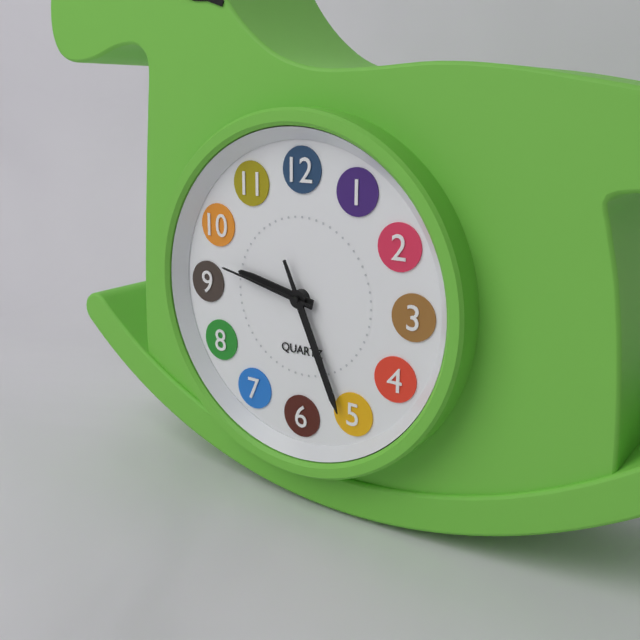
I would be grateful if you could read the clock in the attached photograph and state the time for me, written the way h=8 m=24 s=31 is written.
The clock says h=9 m=26 s=47
